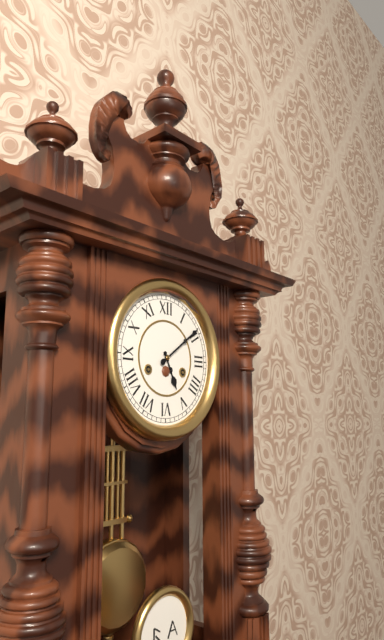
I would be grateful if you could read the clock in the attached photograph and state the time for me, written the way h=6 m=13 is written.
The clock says h=5 m=9
